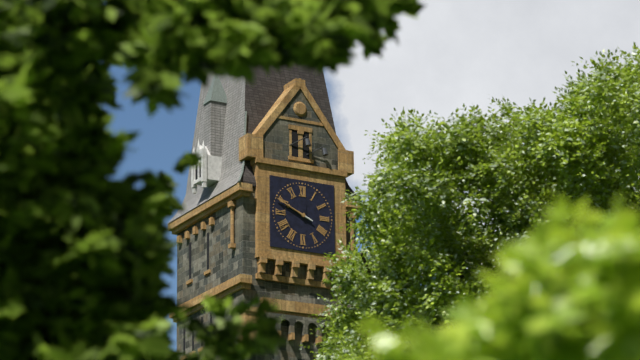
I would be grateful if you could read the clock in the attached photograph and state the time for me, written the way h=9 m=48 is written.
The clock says h=9 m=49
